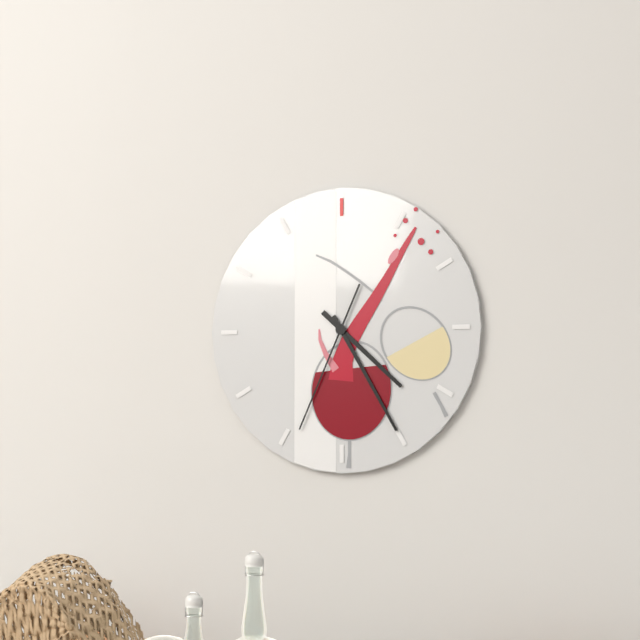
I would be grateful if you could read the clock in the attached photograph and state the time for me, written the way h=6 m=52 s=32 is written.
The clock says h=4 m=25 s=34
